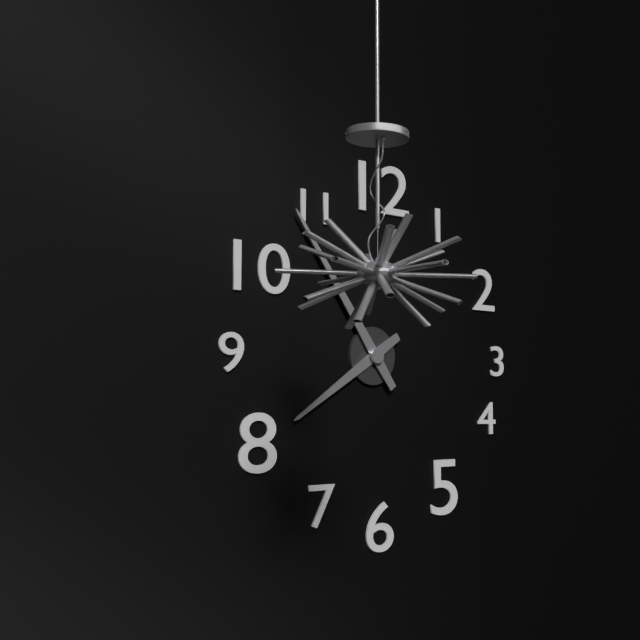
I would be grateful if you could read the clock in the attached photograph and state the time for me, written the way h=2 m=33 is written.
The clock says h=7 m=54
